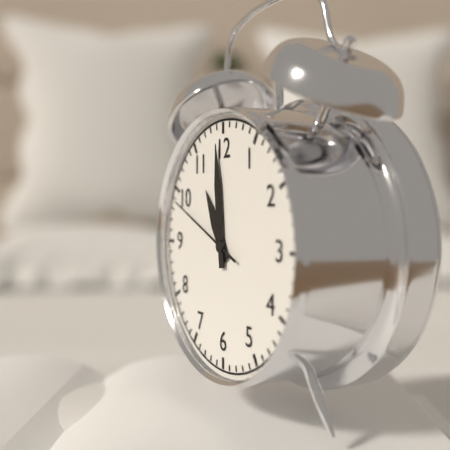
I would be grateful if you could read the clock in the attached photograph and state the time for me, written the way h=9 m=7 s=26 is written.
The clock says h=10 m=59 s=49
